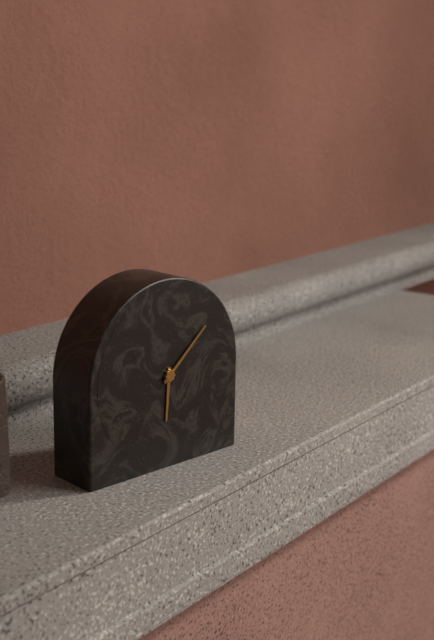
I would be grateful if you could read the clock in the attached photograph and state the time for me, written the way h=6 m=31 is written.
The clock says h=6 m=8
